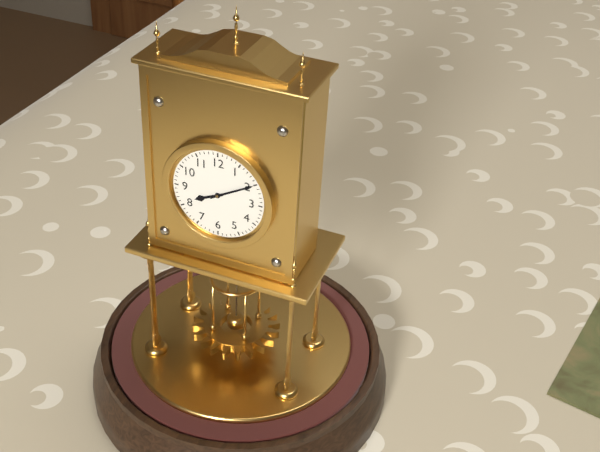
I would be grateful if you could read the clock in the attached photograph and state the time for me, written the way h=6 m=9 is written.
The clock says h=8 m=10
